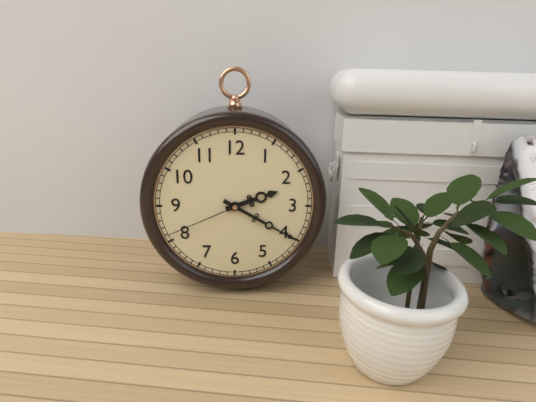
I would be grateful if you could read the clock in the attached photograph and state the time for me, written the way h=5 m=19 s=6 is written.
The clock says h=2 m=20 s=41
